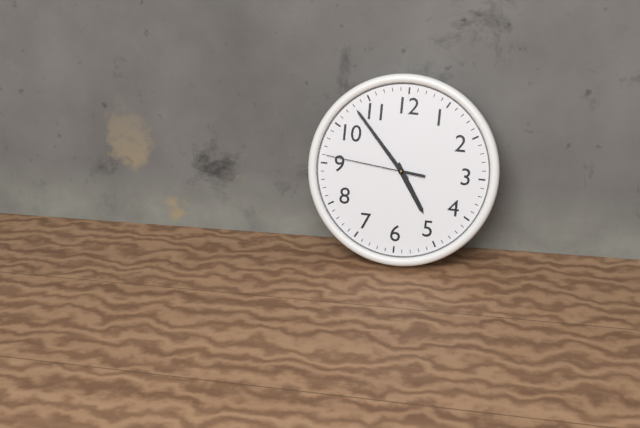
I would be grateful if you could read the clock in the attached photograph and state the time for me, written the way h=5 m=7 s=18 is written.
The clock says h=4 m=53 s=46
